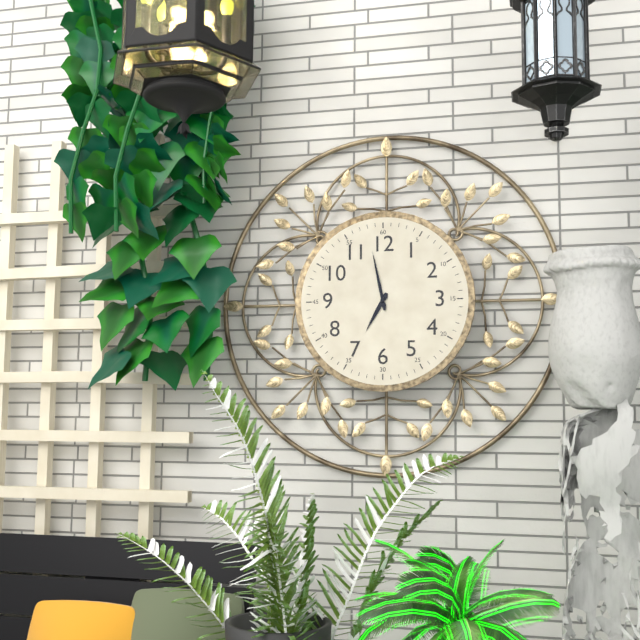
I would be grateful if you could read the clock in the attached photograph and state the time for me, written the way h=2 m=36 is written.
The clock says h=6 m=58
